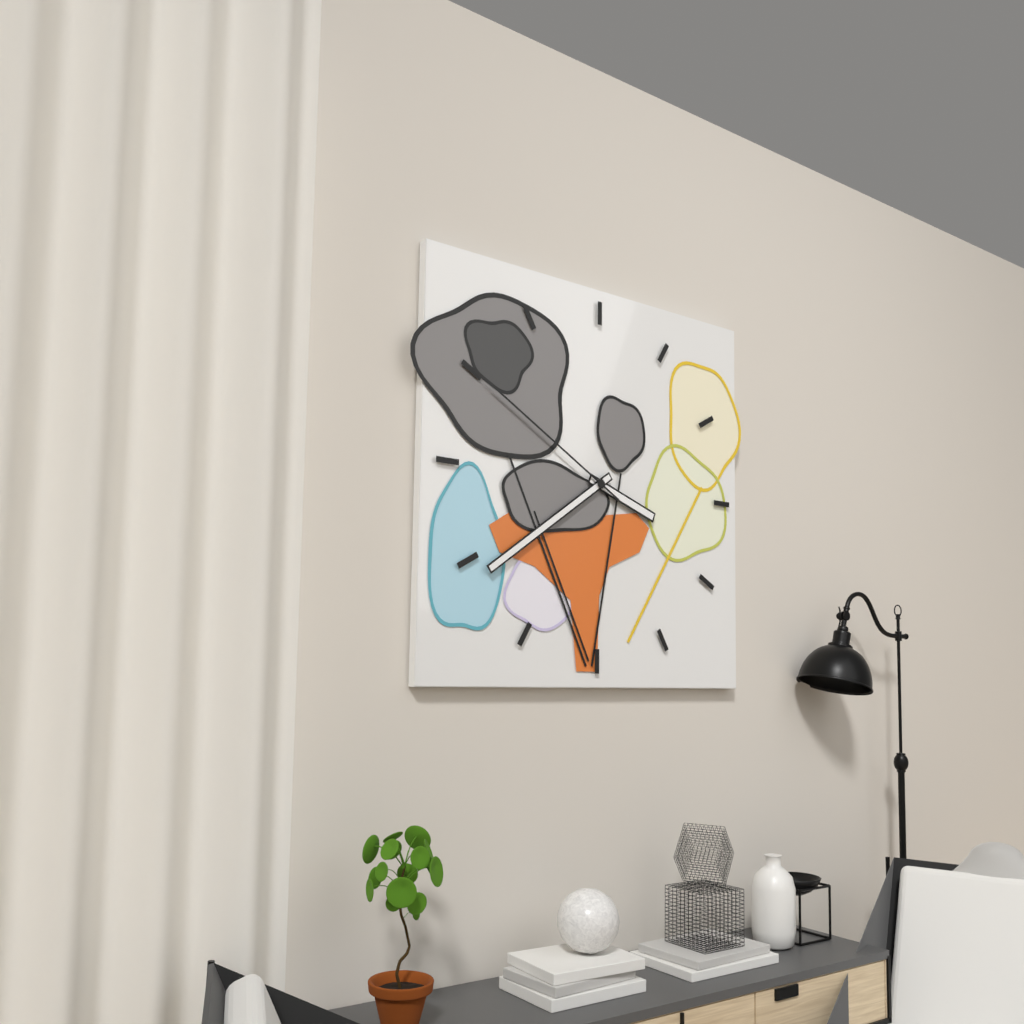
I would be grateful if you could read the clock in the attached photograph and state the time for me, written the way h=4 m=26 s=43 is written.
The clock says h=3 m=39 s=50
